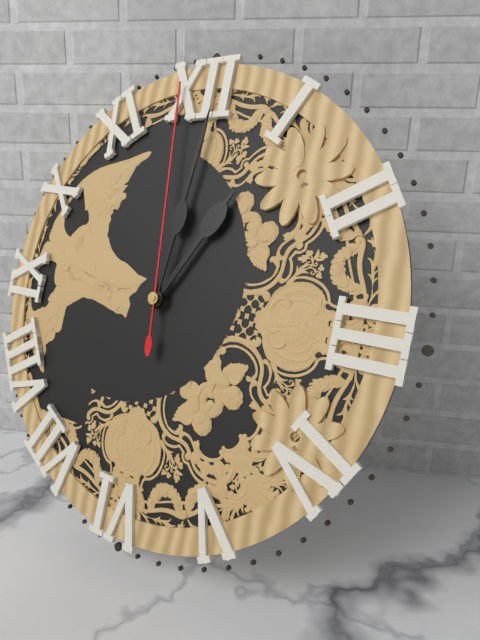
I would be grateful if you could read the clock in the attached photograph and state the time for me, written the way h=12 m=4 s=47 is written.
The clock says h=1 m=1 s=59
